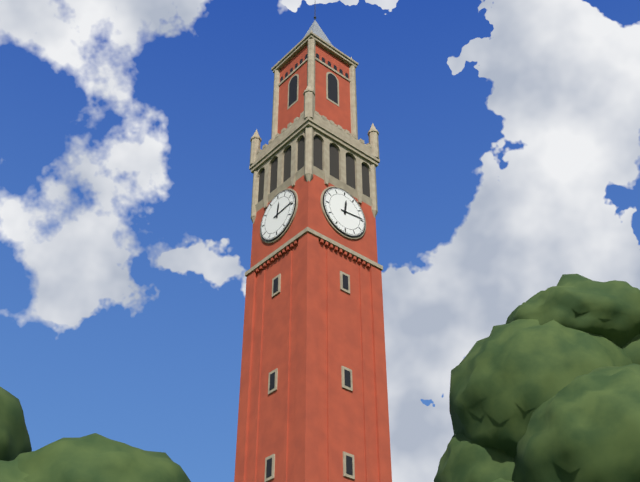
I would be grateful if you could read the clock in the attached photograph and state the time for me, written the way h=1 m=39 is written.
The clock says h=12 m=14
